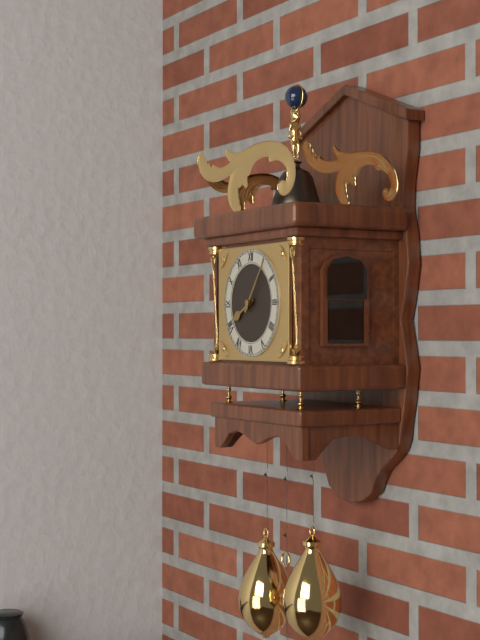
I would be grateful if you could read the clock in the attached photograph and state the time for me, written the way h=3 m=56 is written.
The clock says h=8 m=6
